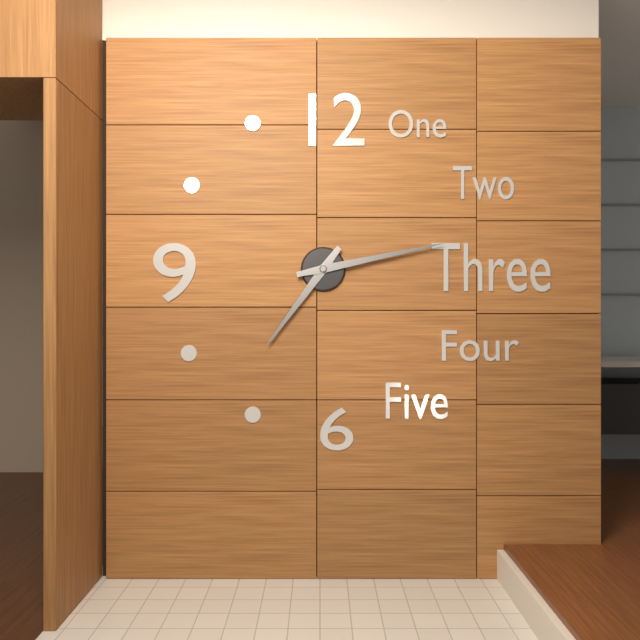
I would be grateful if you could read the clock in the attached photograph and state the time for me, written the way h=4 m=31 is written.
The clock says h=7 m=13
